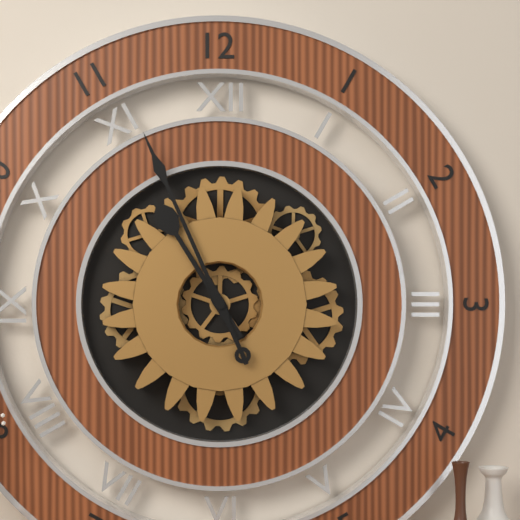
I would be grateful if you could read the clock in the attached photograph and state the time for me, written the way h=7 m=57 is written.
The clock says h=10 m=56
